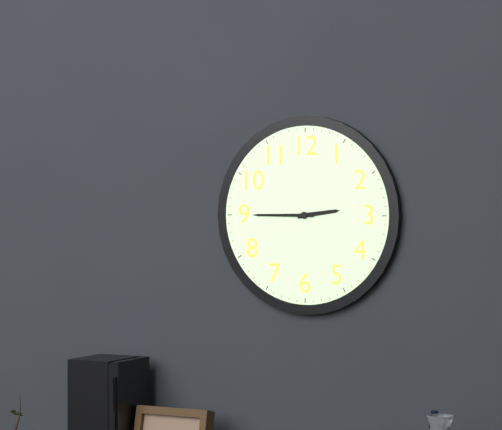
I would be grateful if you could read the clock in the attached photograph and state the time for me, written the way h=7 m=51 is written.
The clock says h=2 m=45
